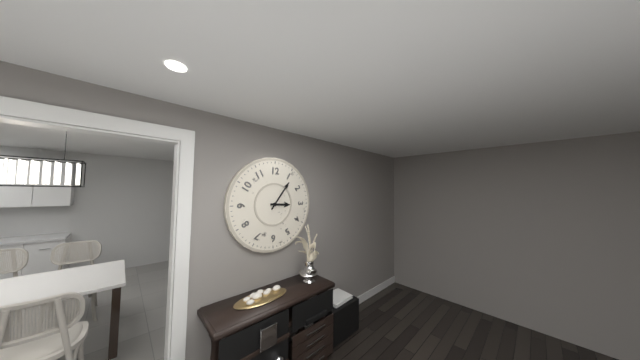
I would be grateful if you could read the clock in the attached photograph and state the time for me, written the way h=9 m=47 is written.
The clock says h=3 m=6
